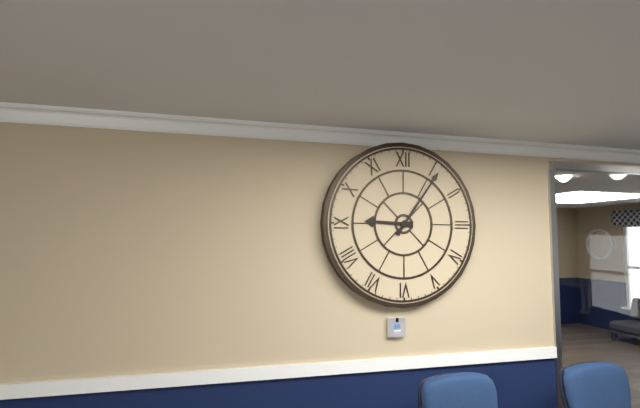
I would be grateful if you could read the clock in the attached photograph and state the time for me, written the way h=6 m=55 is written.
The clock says h=9 m=6
